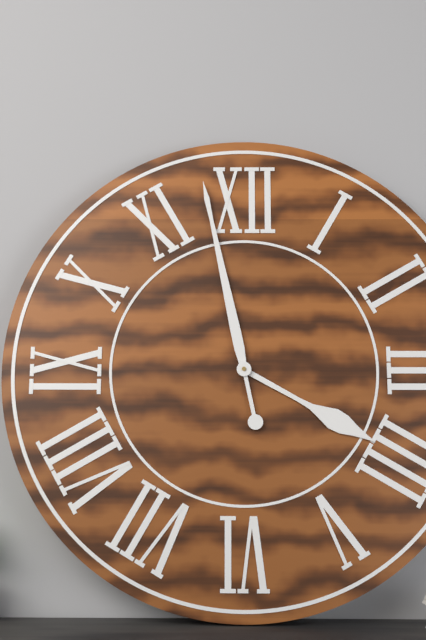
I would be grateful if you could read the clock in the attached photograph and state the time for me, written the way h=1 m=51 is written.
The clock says h=3 m=58
